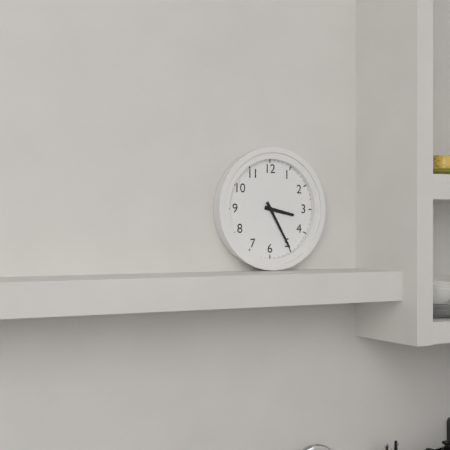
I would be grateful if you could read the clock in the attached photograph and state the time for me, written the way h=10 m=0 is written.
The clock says h=3 m=25
